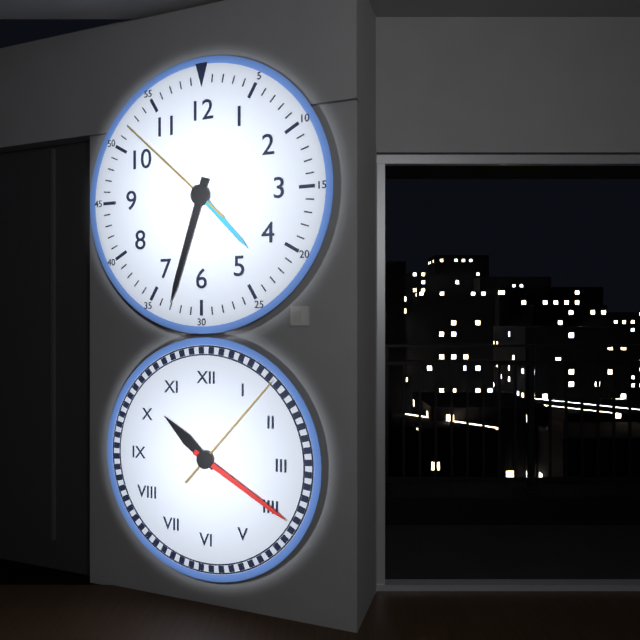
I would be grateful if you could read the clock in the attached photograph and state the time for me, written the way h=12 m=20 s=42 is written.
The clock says h=4 m=33 s=52
